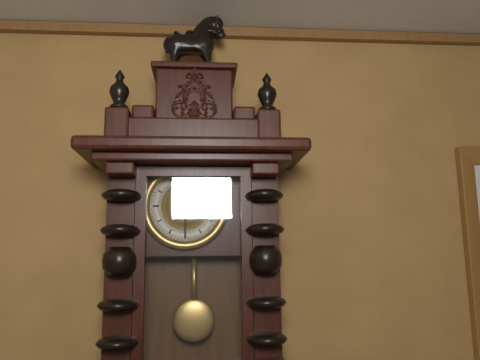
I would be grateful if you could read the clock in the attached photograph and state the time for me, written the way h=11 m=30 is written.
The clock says h=2 m=30
